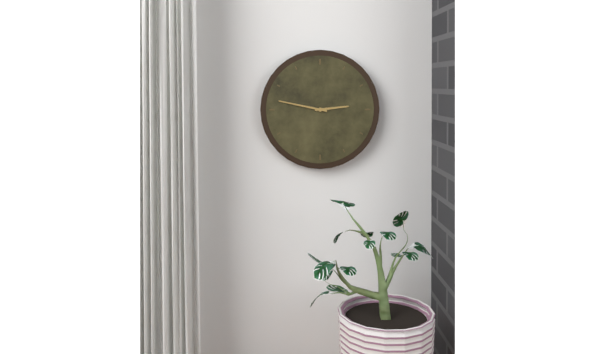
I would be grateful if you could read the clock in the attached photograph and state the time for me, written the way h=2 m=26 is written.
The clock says h=2 m=47
